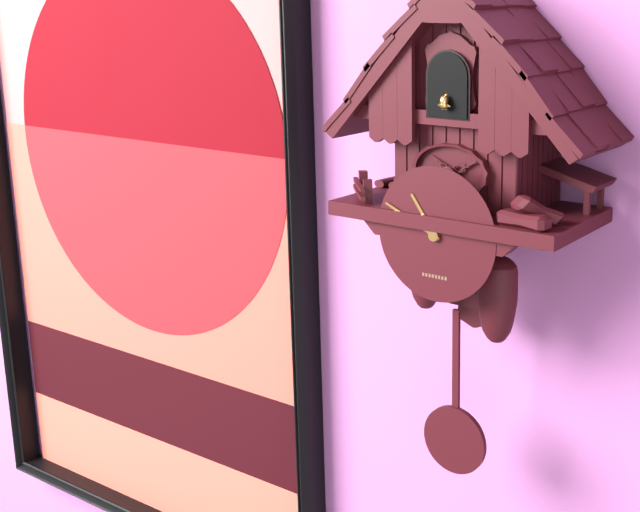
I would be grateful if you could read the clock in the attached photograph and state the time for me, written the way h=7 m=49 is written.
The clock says h=10 m=49
